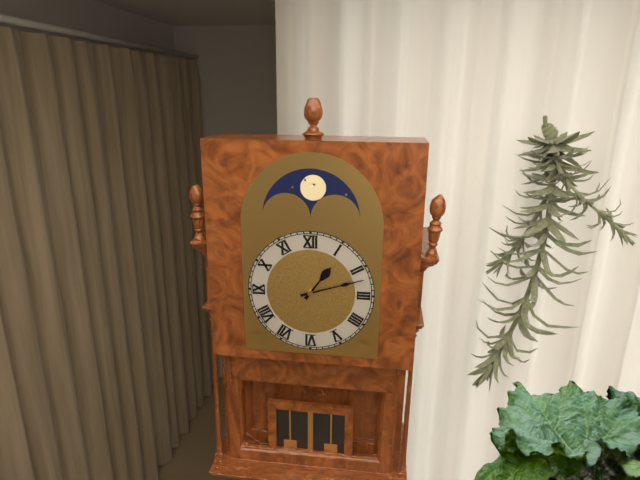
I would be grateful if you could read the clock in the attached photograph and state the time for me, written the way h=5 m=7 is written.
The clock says h=1 m=12
